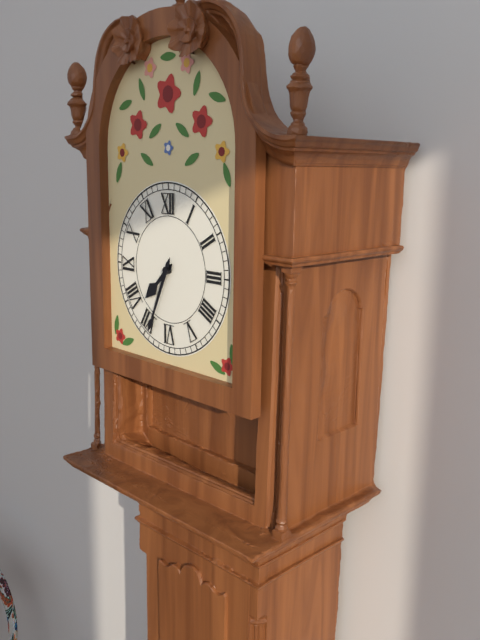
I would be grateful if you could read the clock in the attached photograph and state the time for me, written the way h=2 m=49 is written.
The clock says h=7 m=34
